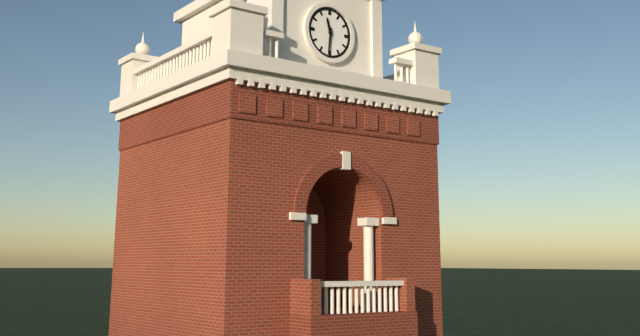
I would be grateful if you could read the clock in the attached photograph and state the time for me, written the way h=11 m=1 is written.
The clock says h=11 m=31
